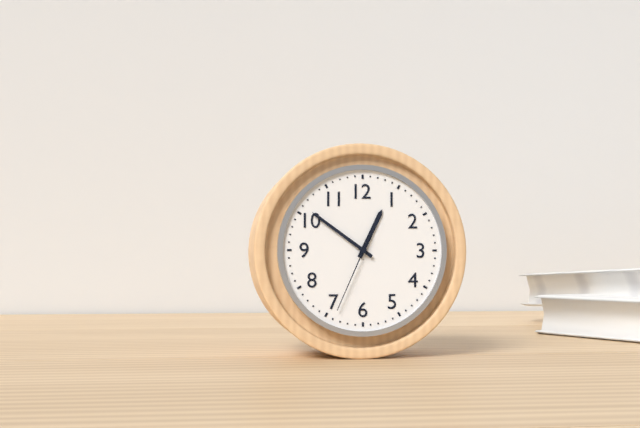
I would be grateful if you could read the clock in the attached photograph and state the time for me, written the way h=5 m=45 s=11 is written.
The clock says h=12 m=51 s=34
